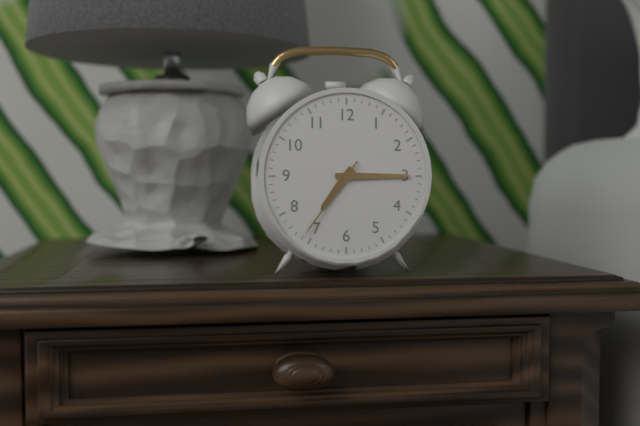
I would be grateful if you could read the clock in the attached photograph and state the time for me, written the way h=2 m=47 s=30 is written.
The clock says h=7 m=15 s=36
